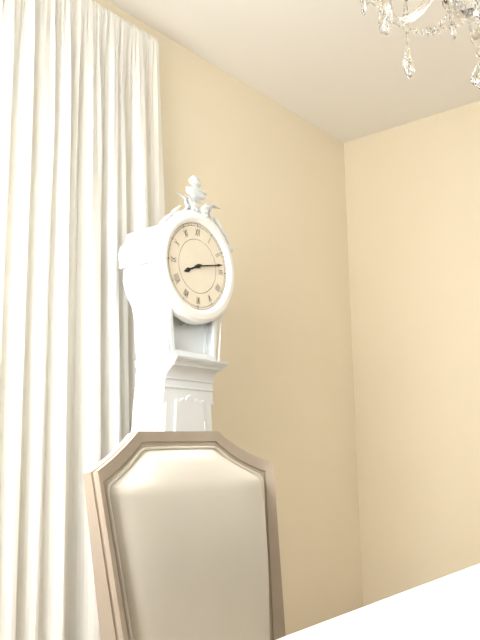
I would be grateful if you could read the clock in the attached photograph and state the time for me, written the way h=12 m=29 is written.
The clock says h=8 m=13
